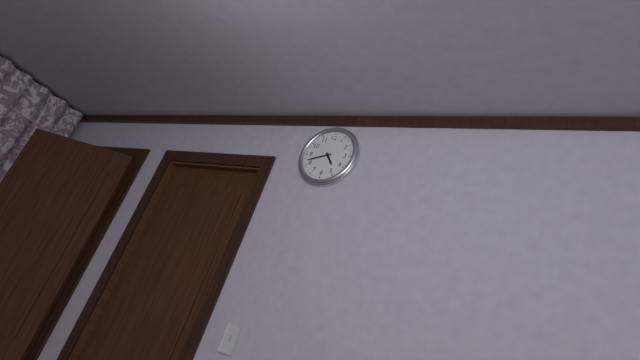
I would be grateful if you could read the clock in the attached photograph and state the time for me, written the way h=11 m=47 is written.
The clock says h=4 m=42
